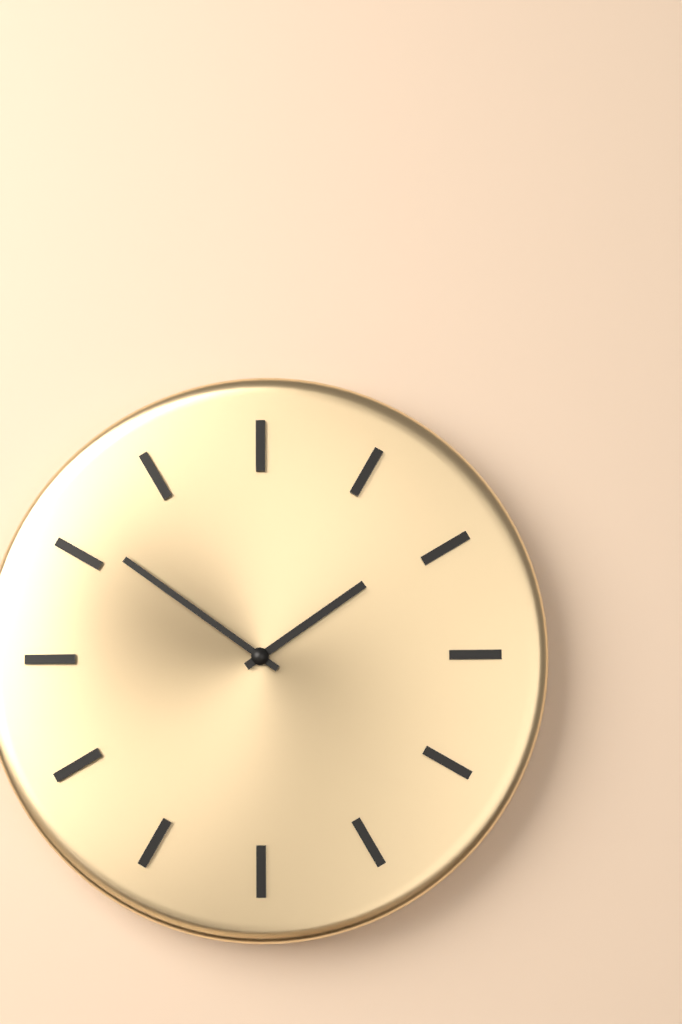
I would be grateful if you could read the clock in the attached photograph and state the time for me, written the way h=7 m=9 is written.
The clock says h=1 m=51
